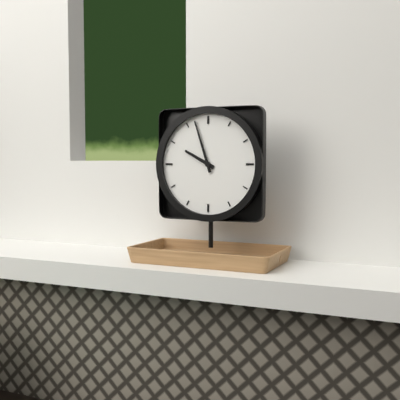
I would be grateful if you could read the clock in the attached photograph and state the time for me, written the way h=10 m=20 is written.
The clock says h=9 m=57
